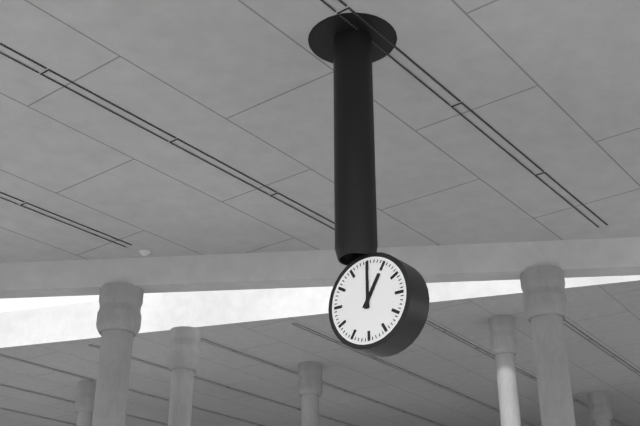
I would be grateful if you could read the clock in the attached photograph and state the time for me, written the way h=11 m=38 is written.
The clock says h=1 m=0
